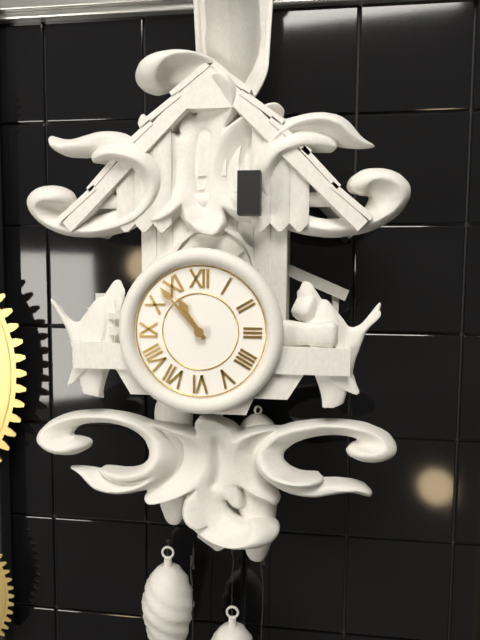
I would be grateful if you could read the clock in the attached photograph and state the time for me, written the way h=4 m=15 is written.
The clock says h=10 m=53
